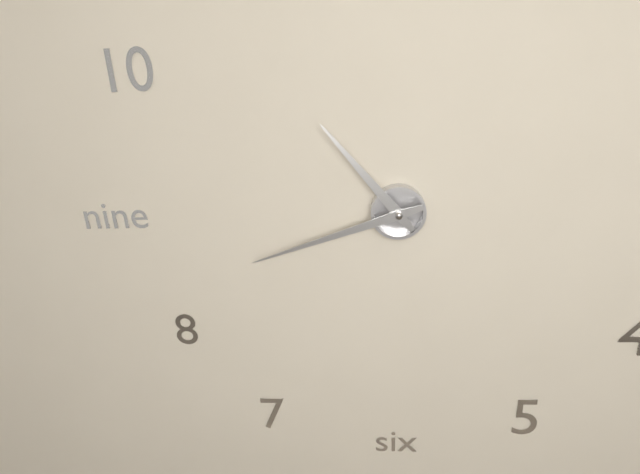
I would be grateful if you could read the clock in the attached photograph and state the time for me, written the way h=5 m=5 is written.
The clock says h=10 m=42
